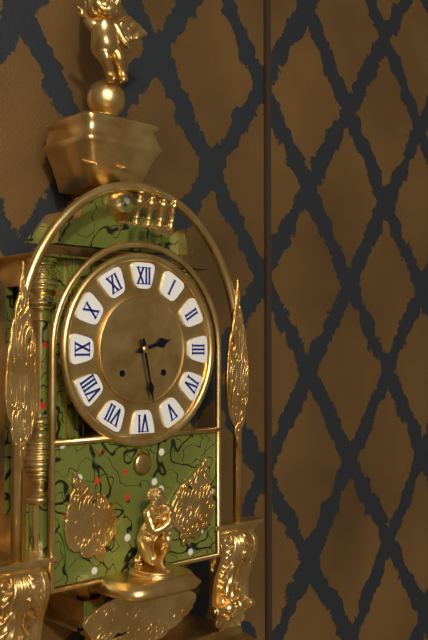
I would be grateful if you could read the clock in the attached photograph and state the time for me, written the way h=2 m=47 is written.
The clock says h=2 m=28
